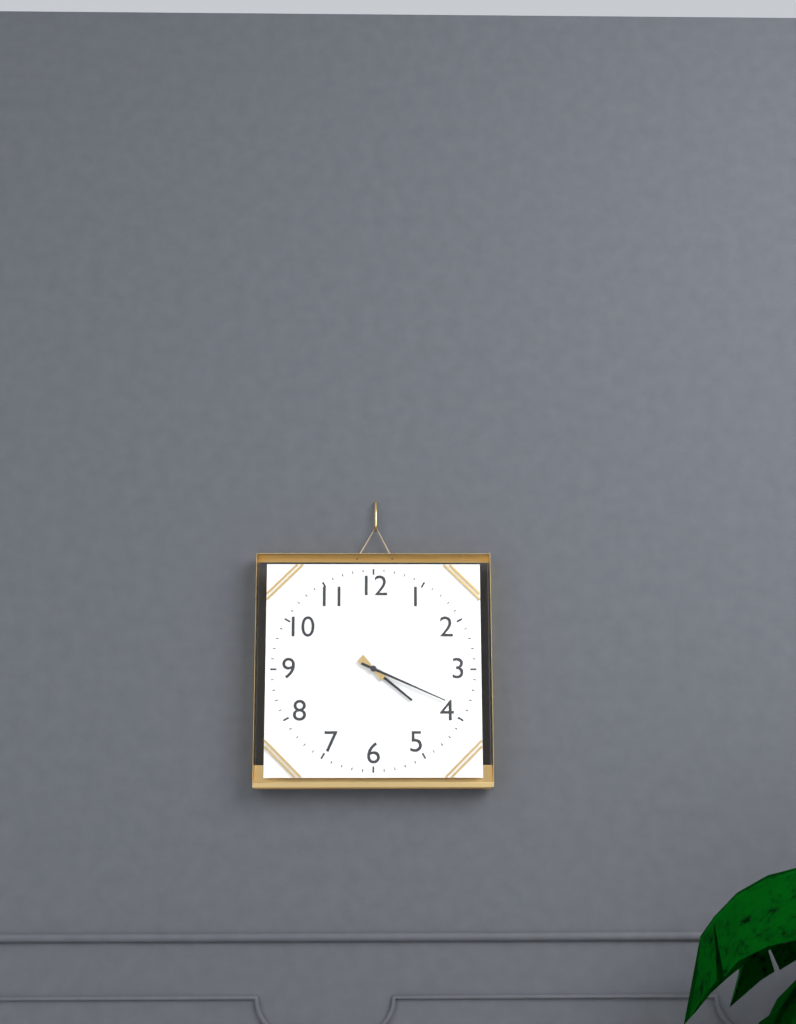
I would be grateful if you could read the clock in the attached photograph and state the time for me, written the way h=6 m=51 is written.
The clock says h=4 m=19
